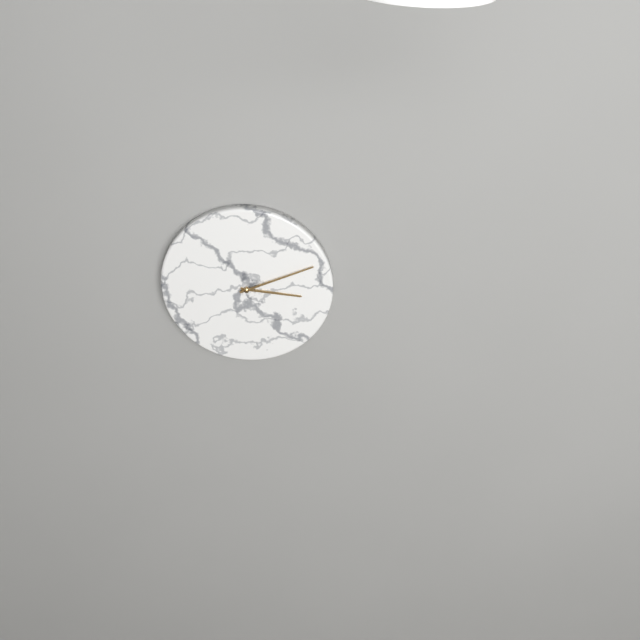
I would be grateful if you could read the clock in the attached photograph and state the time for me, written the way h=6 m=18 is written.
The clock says h=3 m=11
